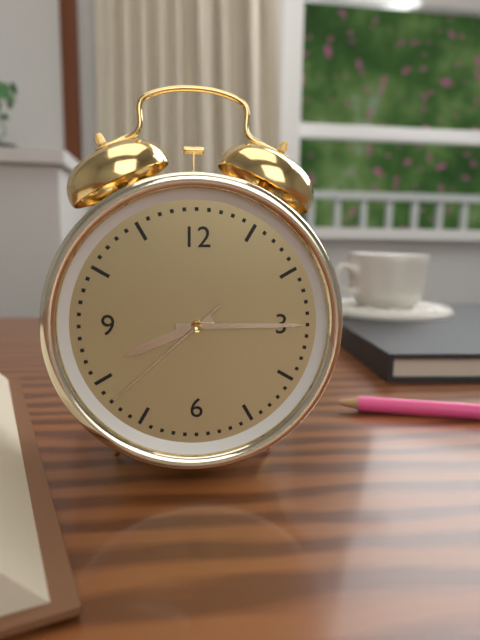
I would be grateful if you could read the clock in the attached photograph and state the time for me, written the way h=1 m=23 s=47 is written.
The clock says h=8 m=15 s=38
